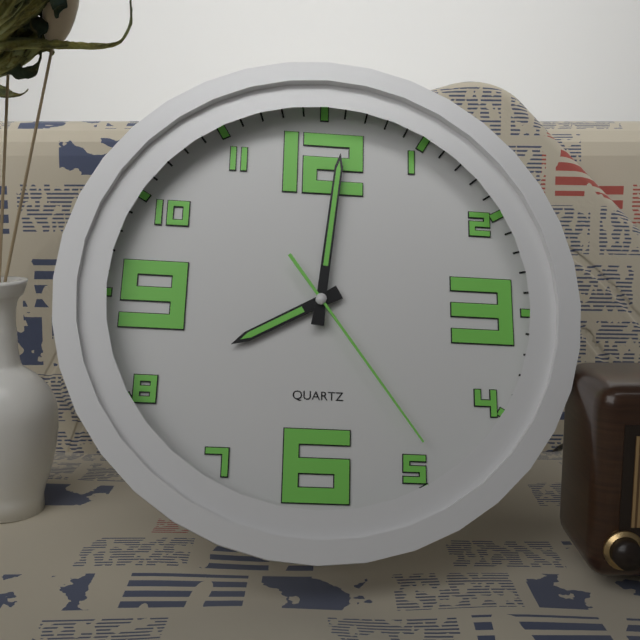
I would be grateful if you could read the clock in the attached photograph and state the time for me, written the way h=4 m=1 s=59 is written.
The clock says h=8 m=1 s=24
